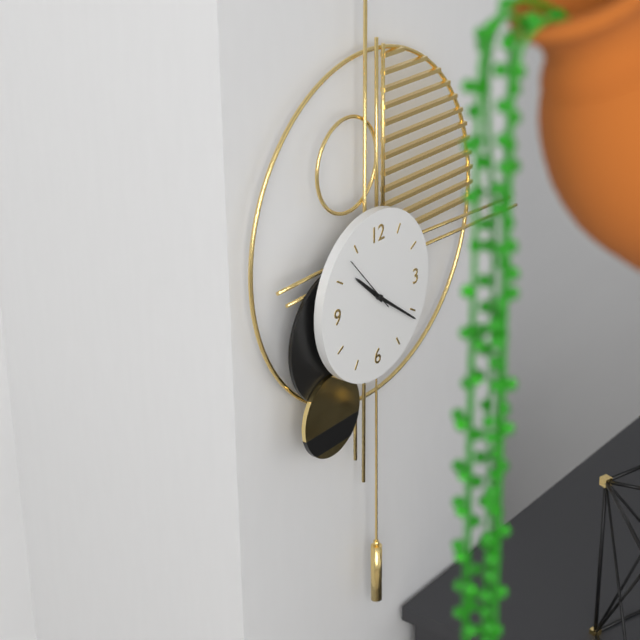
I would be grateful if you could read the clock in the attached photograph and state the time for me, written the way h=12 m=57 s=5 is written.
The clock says h=10 m=21 s=53
